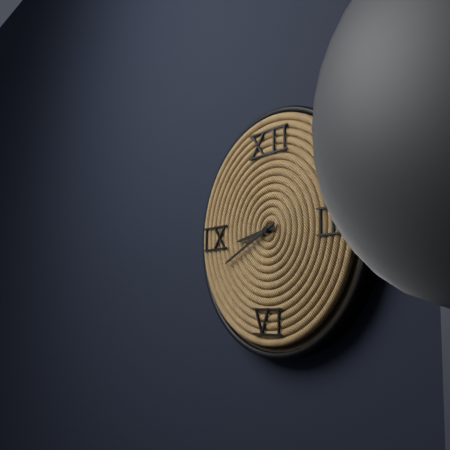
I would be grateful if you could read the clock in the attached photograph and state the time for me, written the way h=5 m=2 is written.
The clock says h=8 m=41
